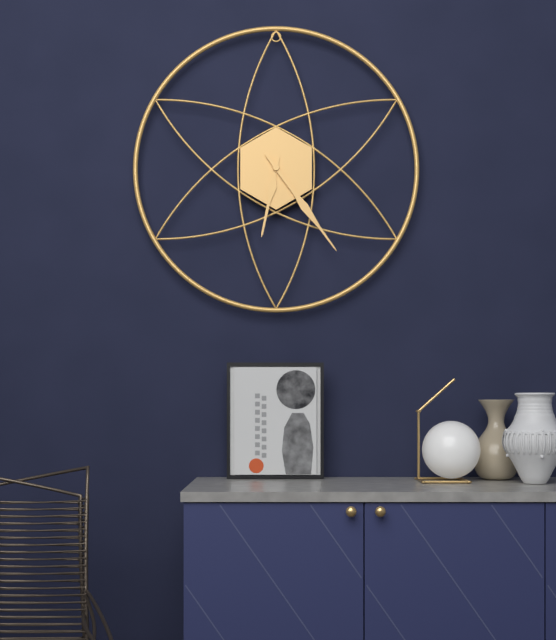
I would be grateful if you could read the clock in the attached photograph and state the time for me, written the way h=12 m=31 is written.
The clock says h=6 m=24
